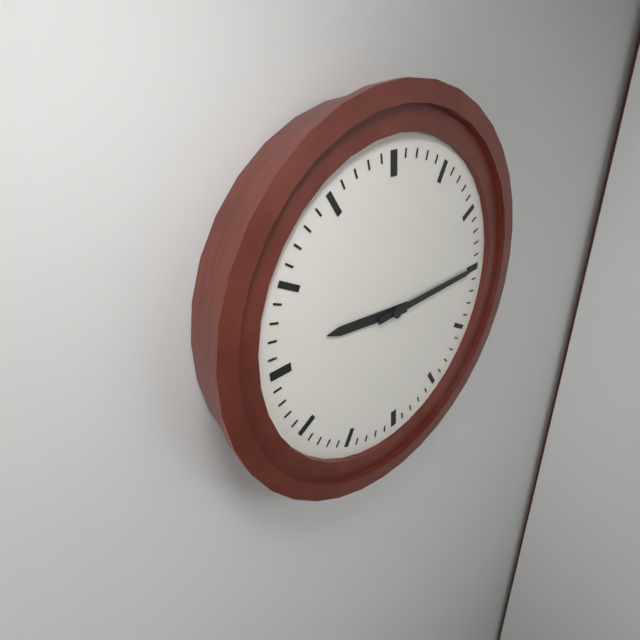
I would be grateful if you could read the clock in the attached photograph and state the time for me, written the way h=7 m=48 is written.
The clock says h=9 m=15
